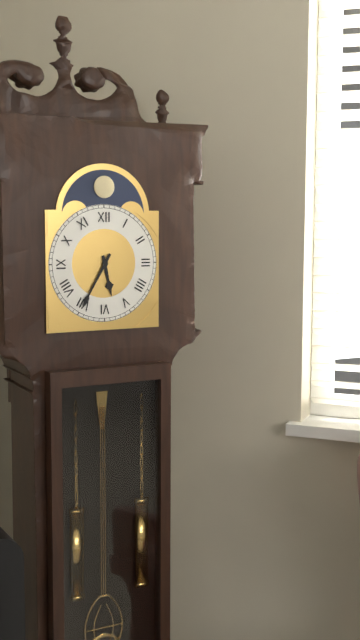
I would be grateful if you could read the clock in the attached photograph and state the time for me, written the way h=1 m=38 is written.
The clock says h=5 m=35
